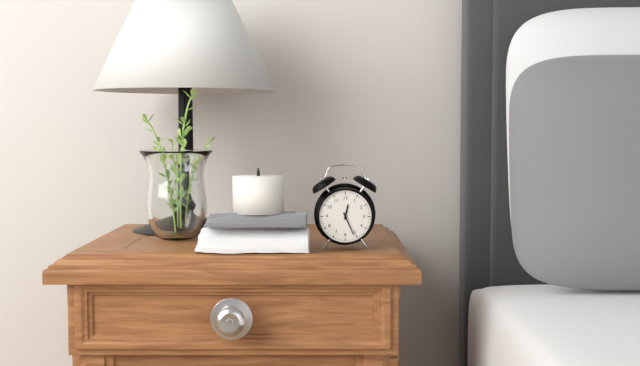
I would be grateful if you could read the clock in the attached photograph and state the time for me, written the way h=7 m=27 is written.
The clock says h=12 m=26
